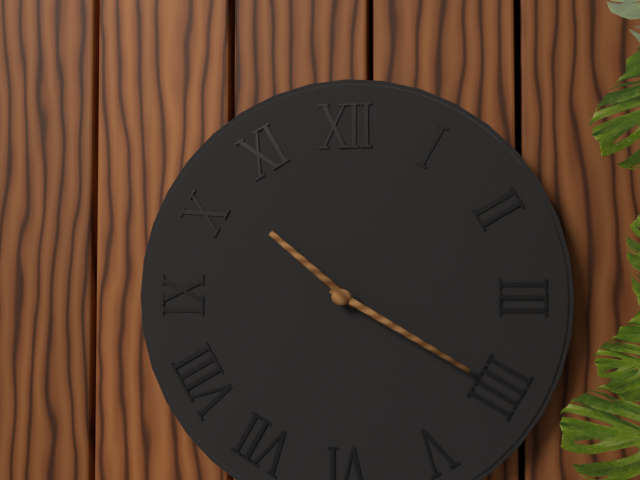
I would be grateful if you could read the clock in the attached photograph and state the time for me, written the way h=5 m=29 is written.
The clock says h=10 m=20
